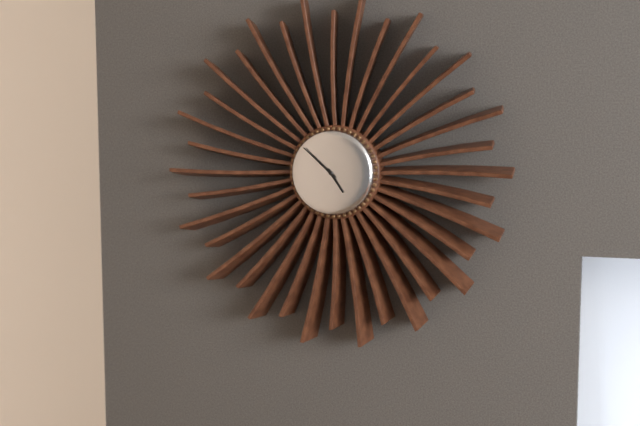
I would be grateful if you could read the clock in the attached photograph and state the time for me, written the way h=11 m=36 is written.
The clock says h=4 m=52
